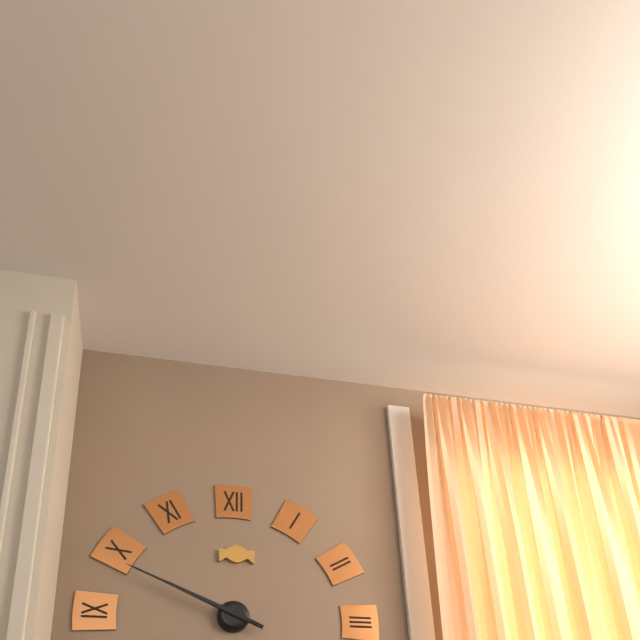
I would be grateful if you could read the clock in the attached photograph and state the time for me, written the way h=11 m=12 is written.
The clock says h=9 m=49
